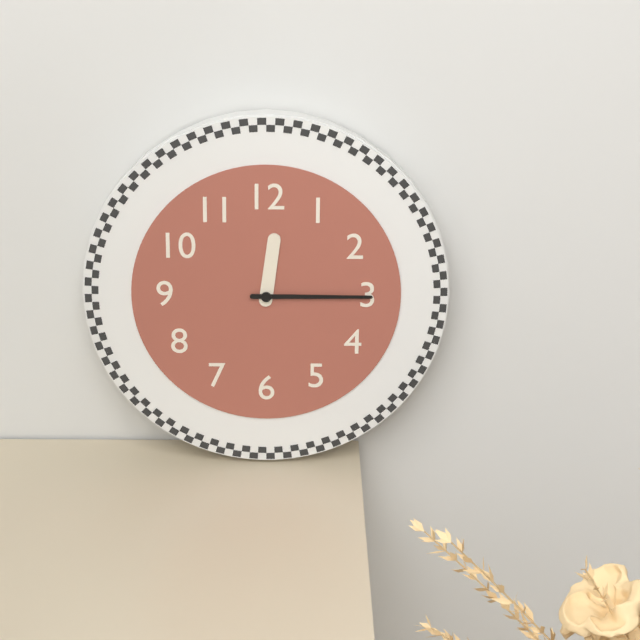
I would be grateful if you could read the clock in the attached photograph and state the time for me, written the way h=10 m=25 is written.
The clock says h=12 m=15
